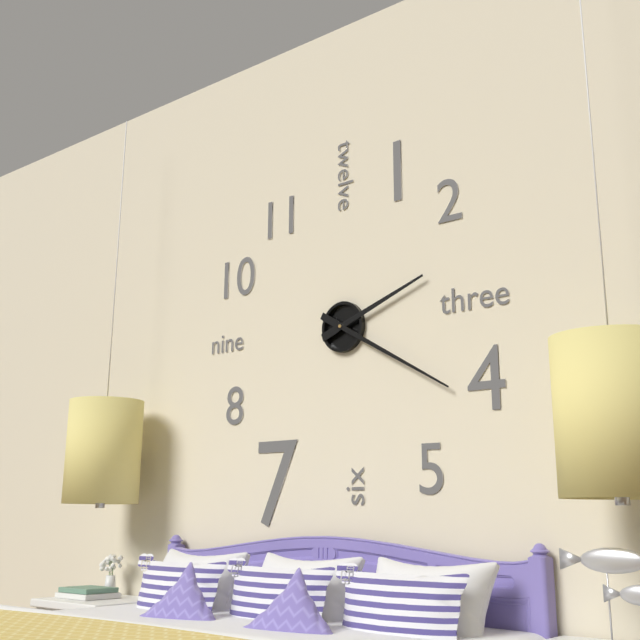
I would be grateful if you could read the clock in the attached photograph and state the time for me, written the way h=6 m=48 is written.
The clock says h=2 m=20
